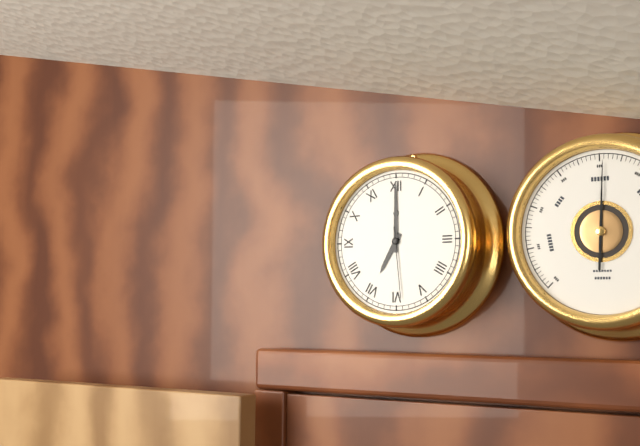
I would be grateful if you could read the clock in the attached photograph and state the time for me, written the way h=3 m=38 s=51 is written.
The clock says h=7 m=0 s=29
